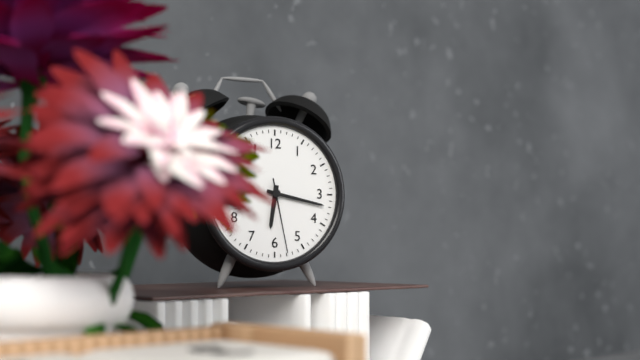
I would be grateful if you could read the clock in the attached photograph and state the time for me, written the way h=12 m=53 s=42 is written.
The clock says h=6 m=17 s=28
